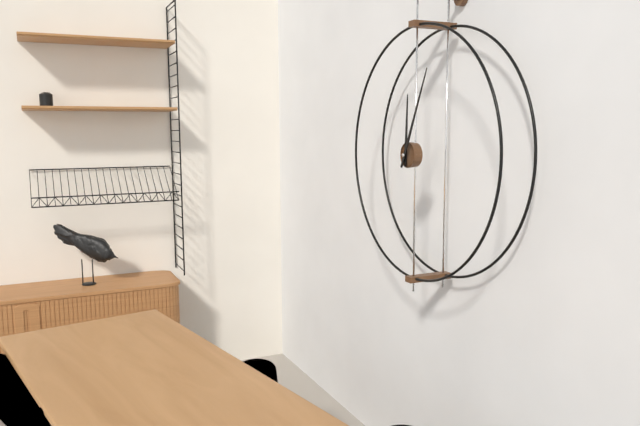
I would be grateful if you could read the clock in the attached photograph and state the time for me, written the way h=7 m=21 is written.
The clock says h=12 m=4
